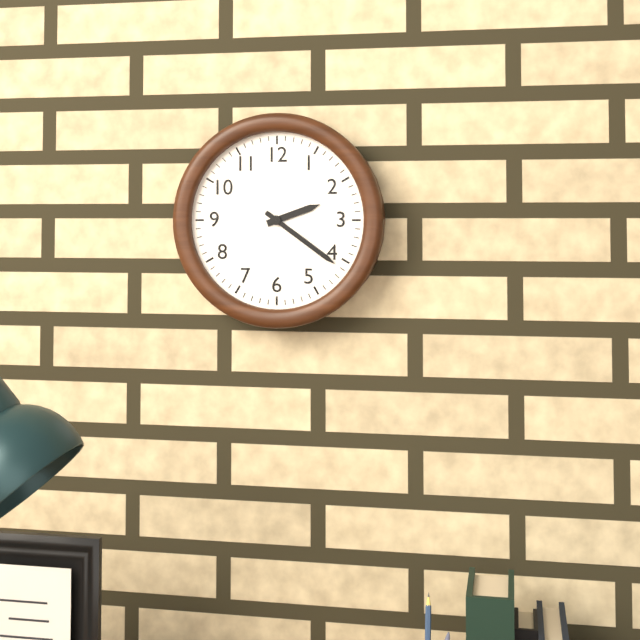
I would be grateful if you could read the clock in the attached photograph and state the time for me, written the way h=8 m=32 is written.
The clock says h=2 m=21
